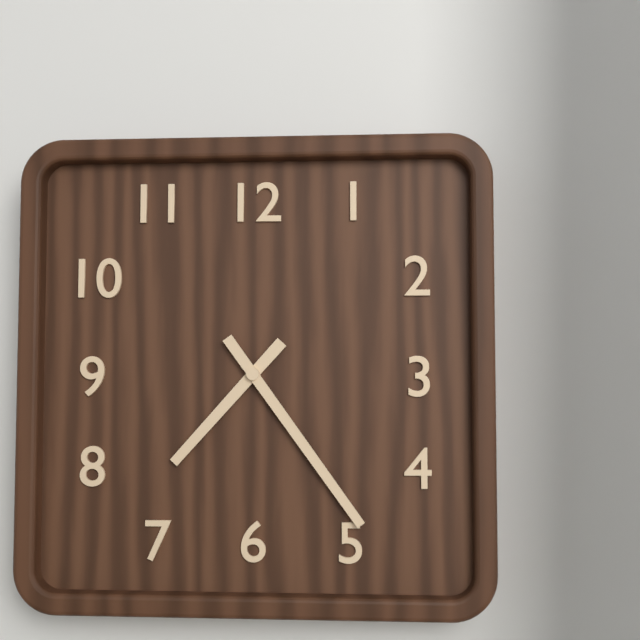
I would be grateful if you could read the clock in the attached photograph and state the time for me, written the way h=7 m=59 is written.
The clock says h=7 m=24
